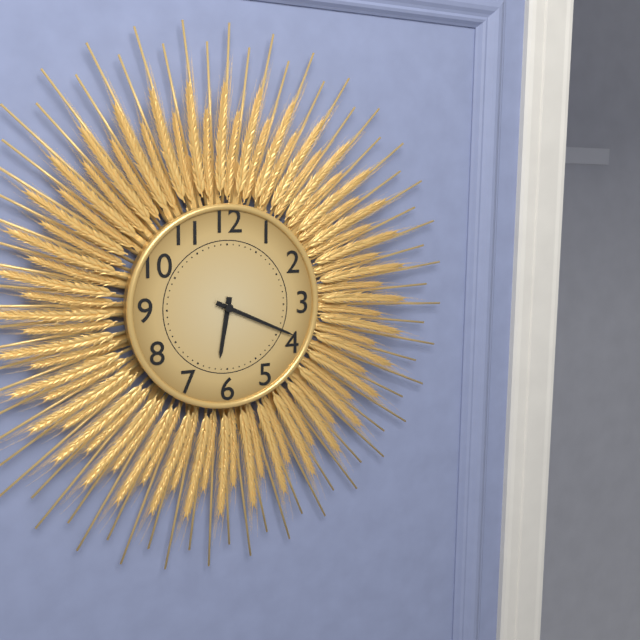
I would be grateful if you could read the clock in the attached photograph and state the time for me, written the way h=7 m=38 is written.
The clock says h=6 m=19
